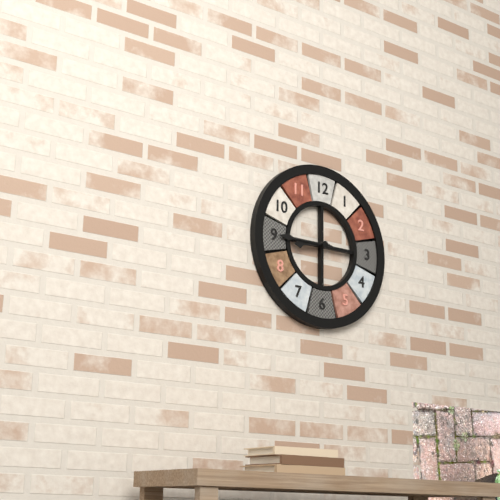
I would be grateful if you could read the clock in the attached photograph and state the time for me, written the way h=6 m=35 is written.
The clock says h=8 m=45
